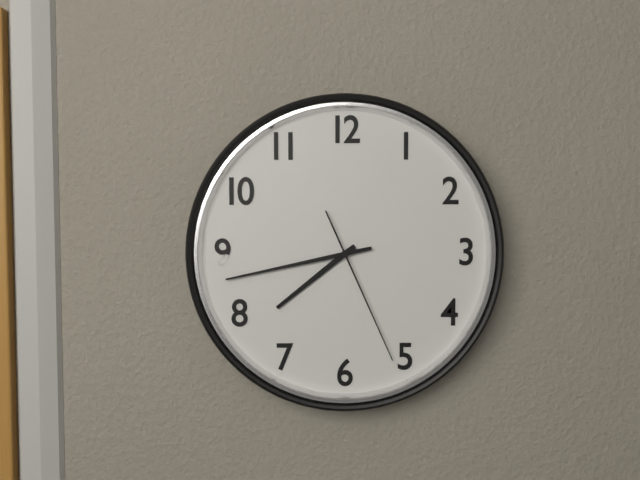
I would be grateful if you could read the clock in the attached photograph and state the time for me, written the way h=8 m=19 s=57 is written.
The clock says h=7 m=43 s=26
